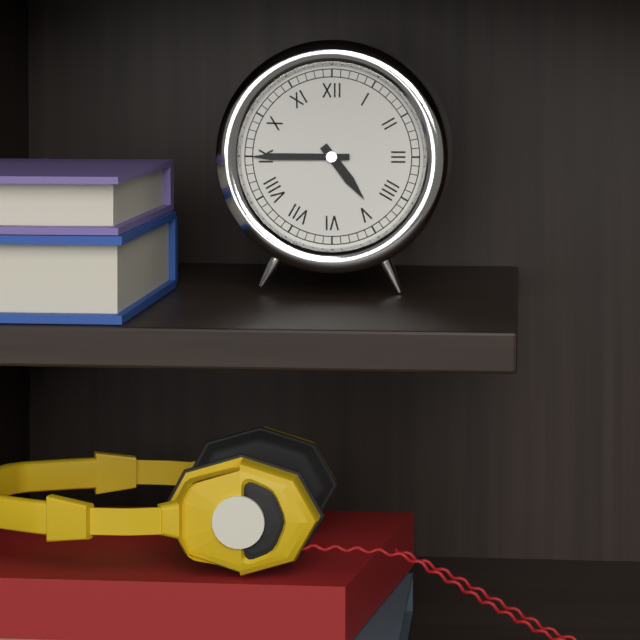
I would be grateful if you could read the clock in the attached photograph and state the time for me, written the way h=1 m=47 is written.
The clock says h=4 m=45
